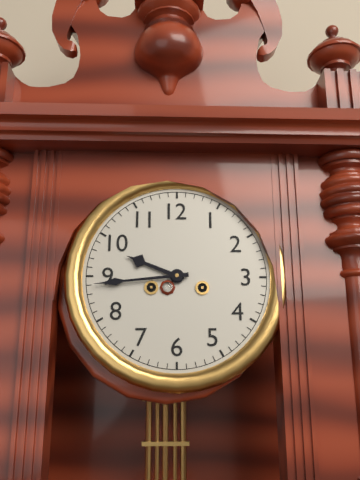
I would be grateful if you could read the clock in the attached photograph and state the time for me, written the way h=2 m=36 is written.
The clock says h=9 m=44
